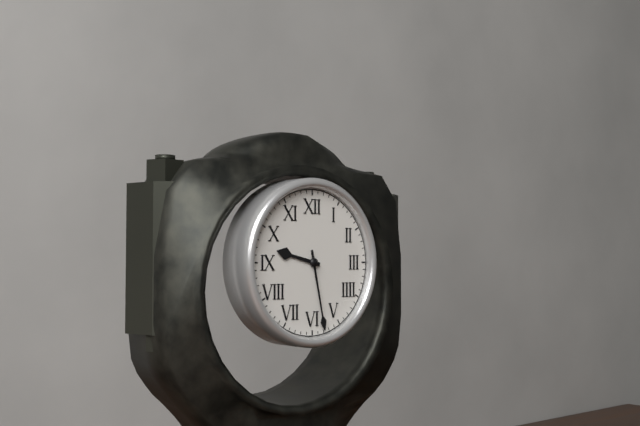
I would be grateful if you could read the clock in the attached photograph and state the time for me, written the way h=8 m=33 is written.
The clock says h=9 m=28
